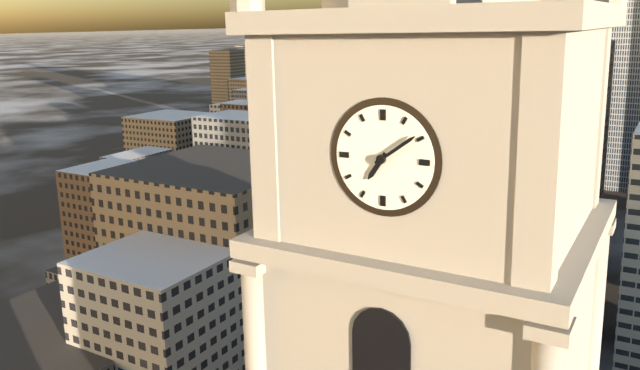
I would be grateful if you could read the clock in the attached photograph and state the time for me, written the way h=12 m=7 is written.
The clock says h=7 m=9
